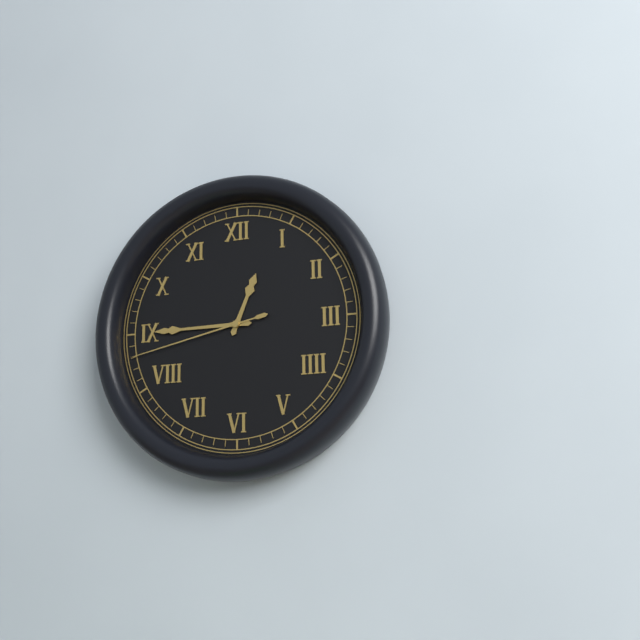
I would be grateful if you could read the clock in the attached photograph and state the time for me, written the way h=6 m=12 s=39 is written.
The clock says h=12 m=45 s=43
